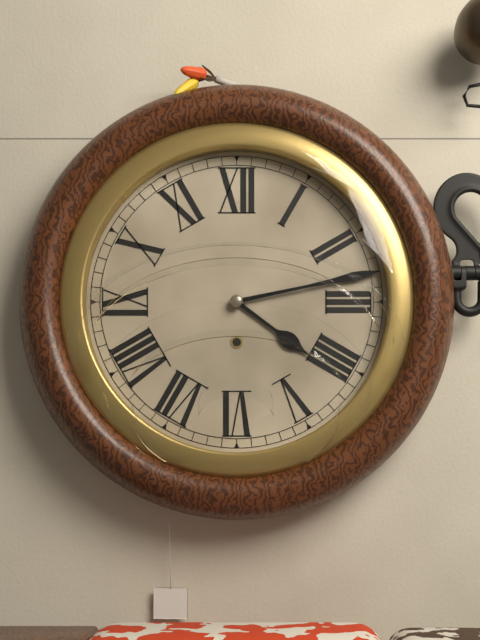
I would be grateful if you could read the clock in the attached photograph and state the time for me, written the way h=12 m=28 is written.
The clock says h=4 m=13
